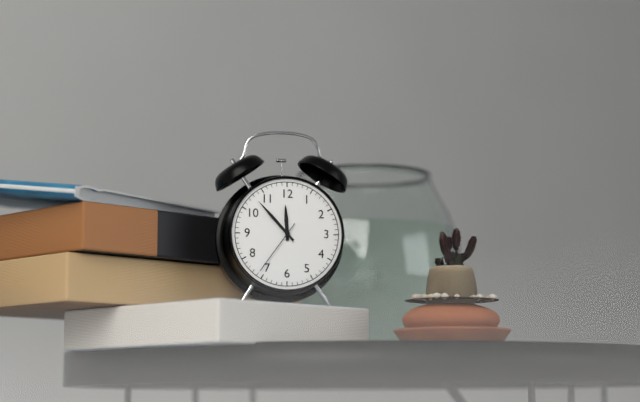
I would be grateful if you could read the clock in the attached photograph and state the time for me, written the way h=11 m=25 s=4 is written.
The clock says h=11 m=53 s=36
